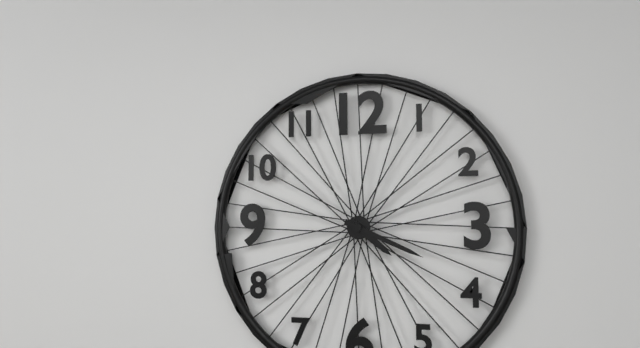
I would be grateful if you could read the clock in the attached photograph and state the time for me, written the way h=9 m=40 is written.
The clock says h=4 m=19
